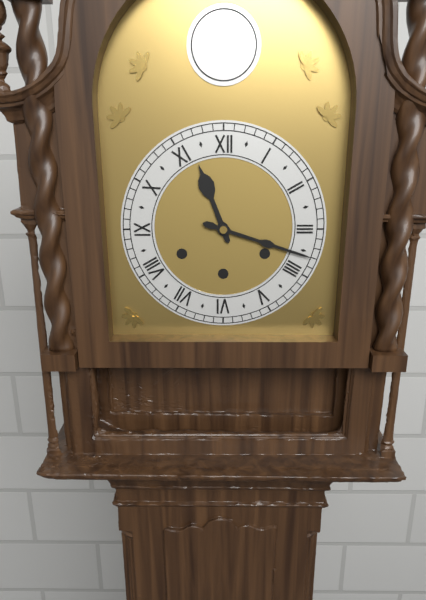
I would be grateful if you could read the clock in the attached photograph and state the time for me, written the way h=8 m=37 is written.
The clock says h=11 m=18
